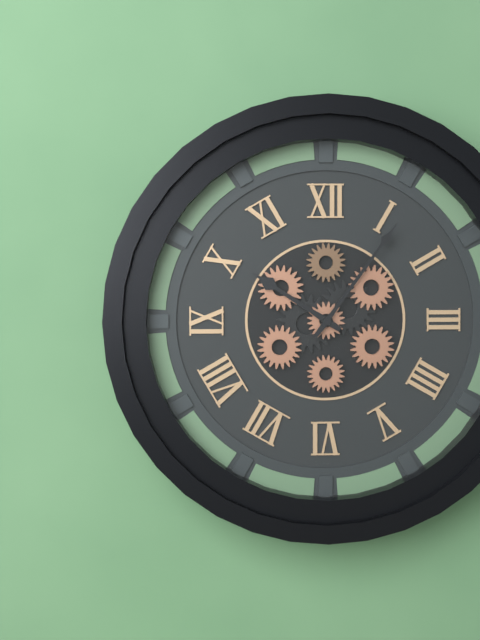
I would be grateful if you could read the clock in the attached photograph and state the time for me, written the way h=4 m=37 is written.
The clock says h=10 m=6
